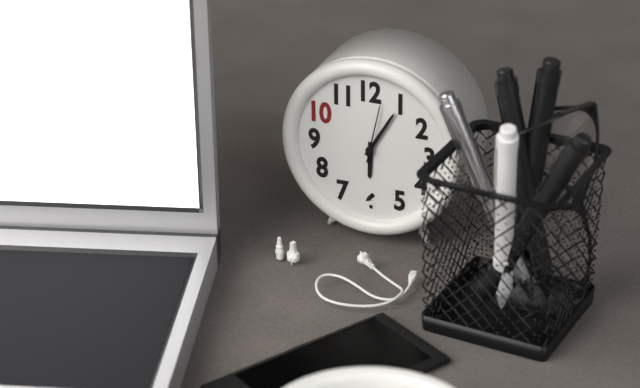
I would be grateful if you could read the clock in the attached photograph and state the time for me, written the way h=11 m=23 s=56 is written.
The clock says h=6 m=5 s=2
